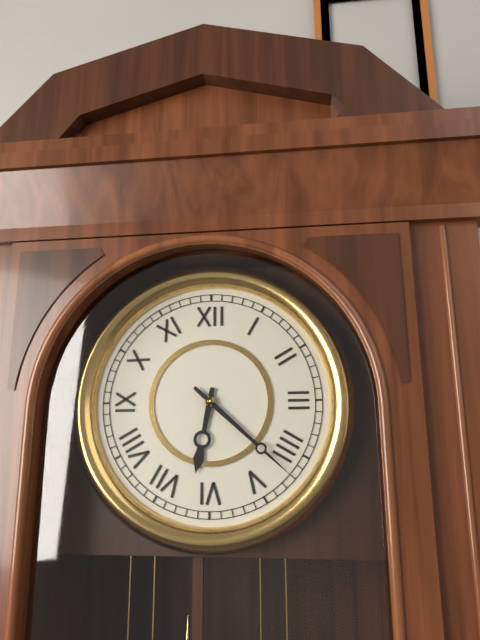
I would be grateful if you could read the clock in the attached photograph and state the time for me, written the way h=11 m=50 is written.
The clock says h=6 m=22
